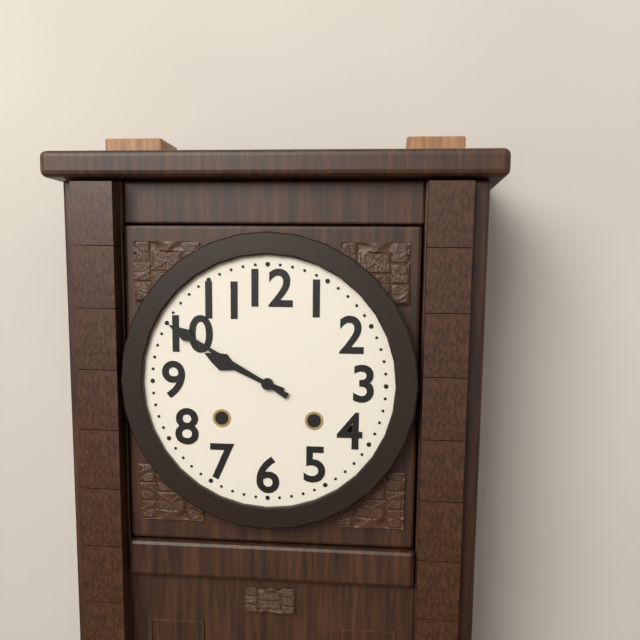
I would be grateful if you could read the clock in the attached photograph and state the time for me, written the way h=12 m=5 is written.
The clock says h=9 m=50
